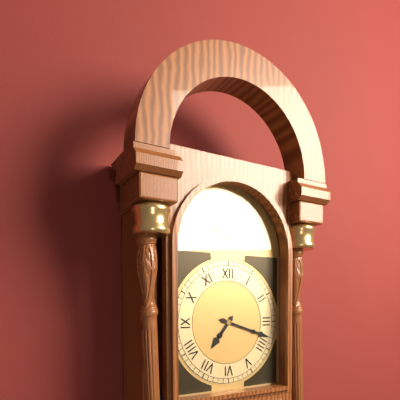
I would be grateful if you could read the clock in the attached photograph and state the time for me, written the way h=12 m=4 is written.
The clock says h=7 m=18
